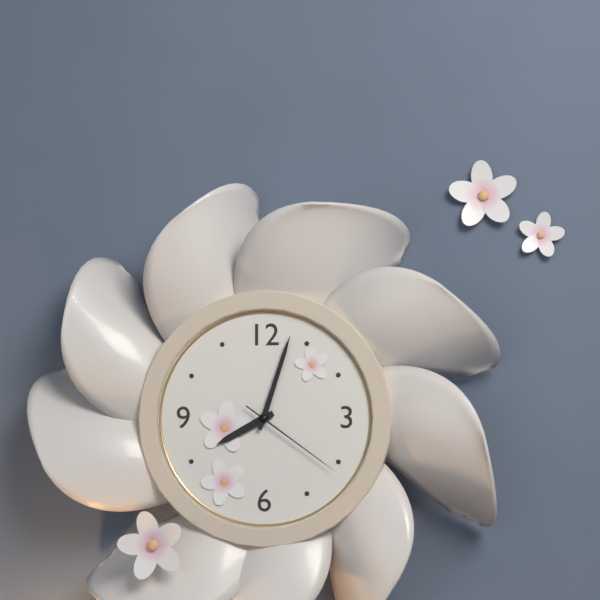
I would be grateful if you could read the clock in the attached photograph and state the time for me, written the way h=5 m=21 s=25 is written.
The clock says h=8 m=3 s=21
